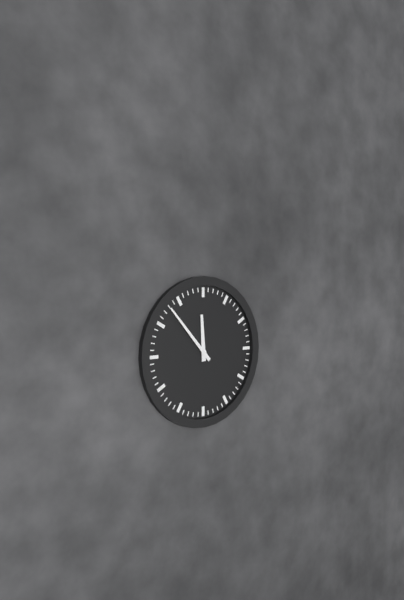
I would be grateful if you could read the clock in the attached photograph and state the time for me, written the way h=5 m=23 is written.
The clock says h=11 m=53
